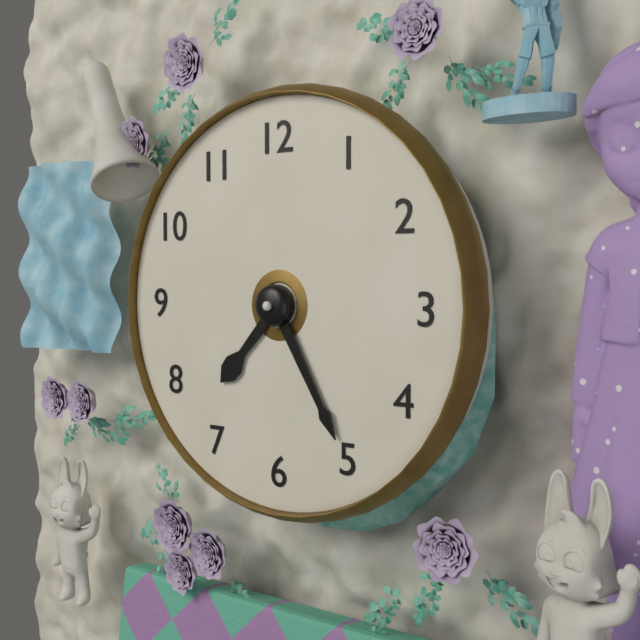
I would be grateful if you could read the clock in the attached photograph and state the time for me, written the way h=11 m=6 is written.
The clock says h=7 m=25
